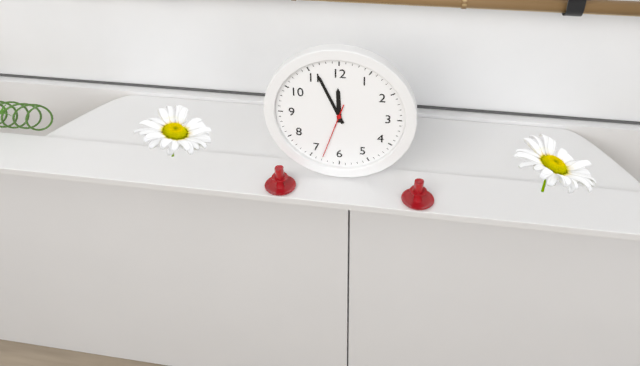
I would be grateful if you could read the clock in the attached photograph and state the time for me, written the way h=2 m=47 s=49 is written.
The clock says h=11 m=56 s=33
